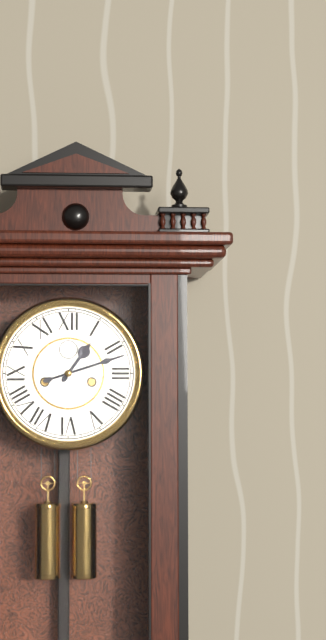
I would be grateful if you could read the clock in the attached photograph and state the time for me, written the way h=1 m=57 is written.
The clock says h=1 m=12
